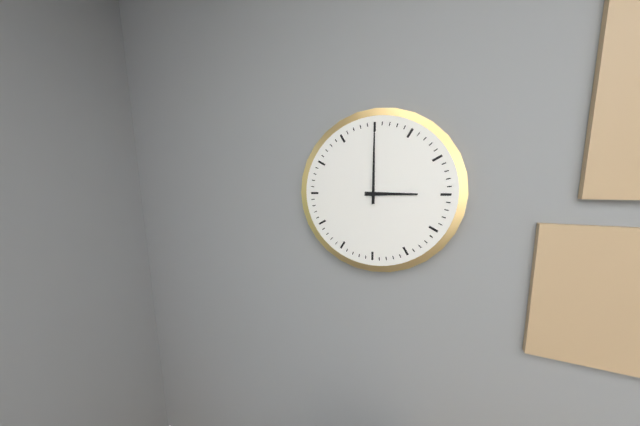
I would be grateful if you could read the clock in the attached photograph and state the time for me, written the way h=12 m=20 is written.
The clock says h=3 m=0
